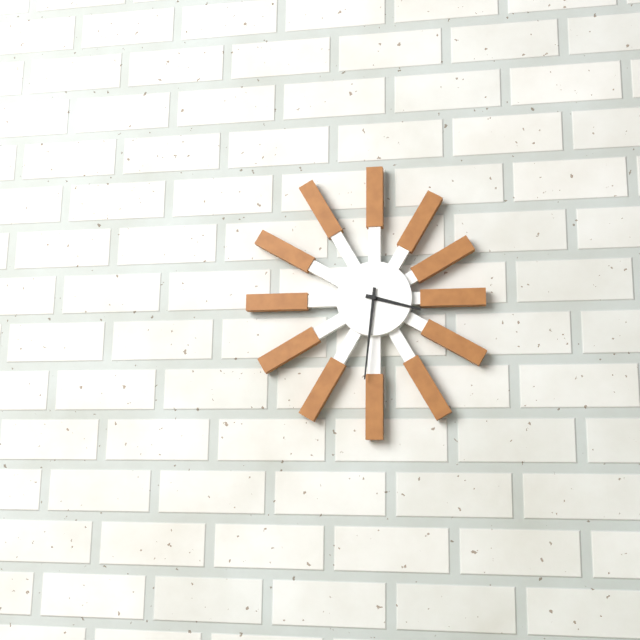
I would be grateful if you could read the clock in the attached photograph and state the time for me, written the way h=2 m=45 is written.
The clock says h=3 m=31
